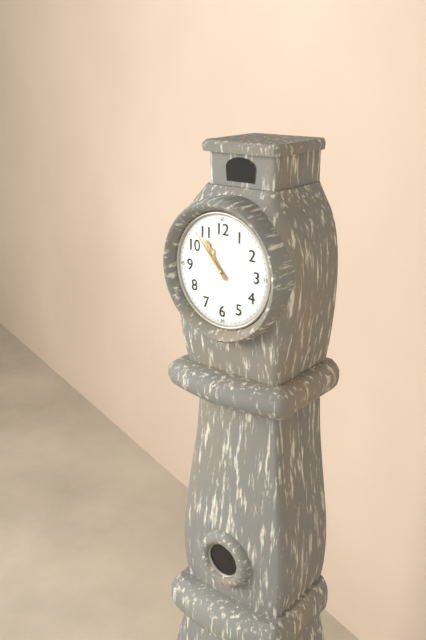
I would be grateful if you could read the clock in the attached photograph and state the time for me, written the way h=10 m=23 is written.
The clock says h=10 m=53
